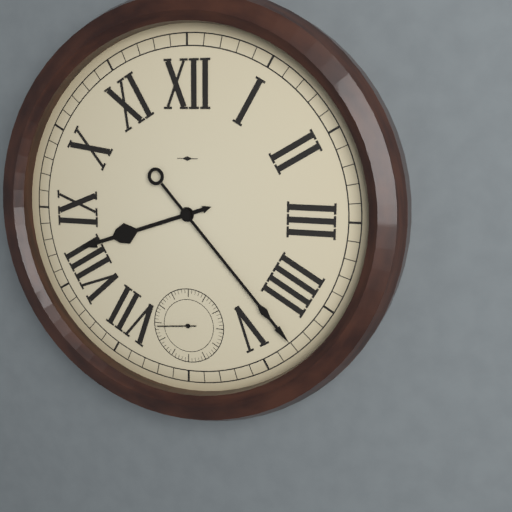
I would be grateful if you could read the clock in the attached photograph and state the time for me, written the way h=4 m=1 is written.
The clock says h=8 m=23
